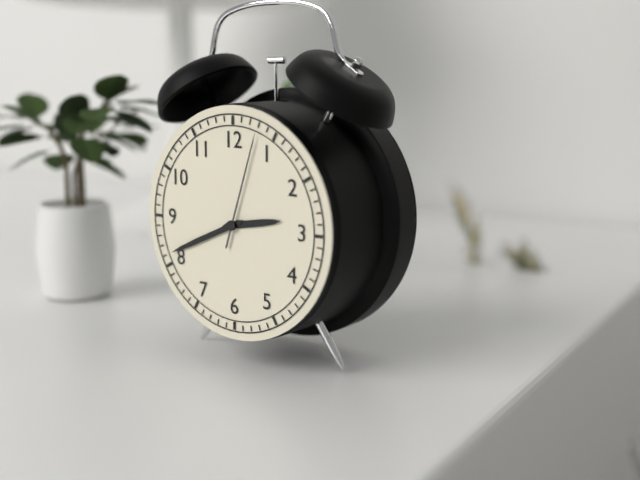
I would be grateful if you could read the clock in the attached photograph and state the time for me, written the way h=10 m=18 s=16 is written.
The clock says h=2 m=41 s=3
